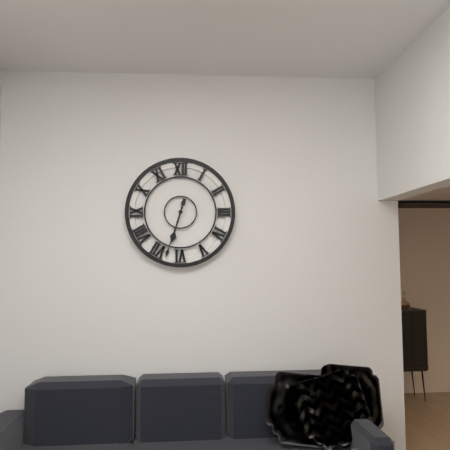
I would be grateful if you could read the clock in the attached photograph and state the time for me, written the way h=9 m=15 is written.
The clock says h=6 m=33
